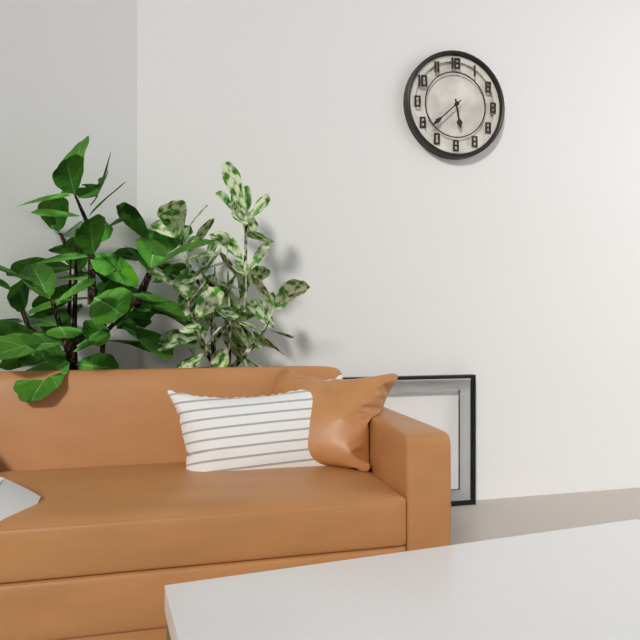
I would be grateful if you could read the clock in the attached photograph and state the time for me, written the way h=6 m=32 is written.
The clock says h=5 m=38
